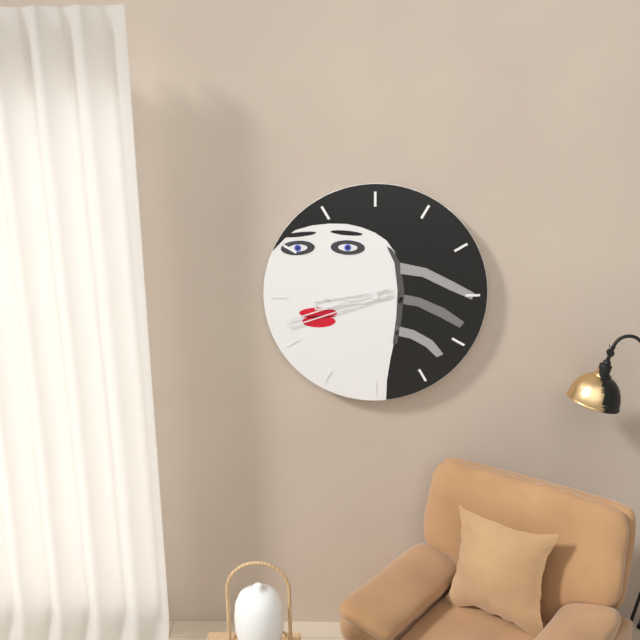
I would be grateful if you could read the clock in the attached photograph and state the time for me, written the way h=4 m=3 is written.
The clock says h=8 m=42
